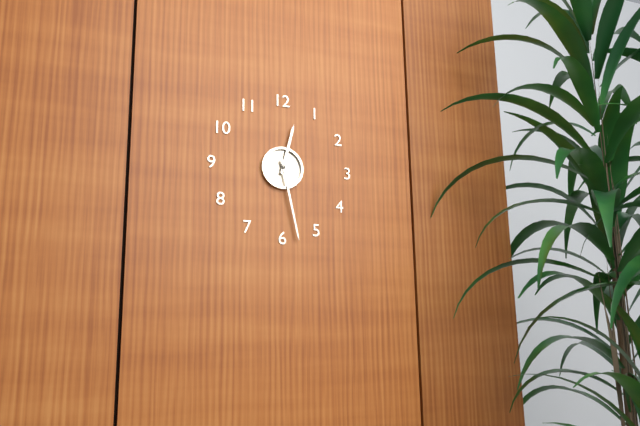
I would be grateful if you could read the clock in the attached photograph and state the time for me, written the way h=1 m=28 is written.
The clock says h=12 m=28
